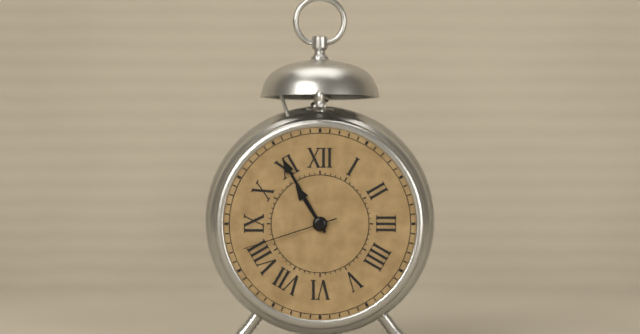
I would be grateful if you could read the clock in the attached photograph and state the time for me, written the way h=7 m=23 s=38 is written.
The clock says h=10 m=55 s=42
